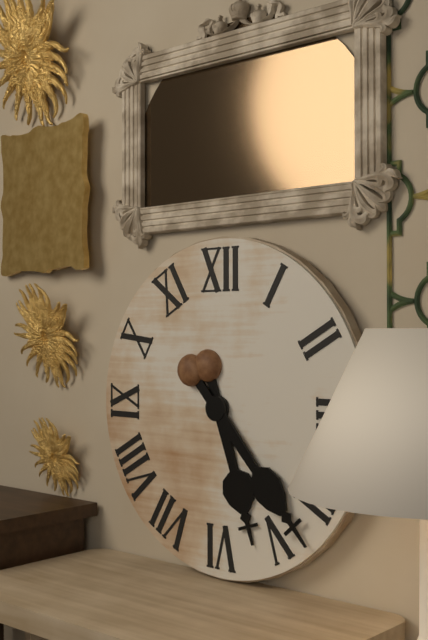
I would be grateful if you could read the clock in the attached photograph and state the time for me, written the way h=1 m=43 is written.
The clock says h=5 m=23
